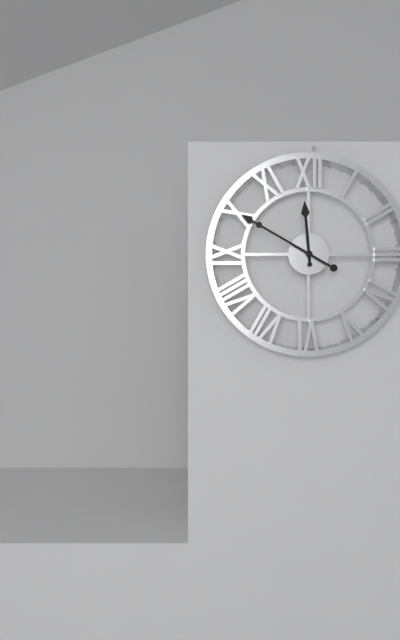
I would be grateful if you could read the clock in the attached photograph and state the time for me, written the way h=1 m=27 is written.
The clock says h=11 m=50
